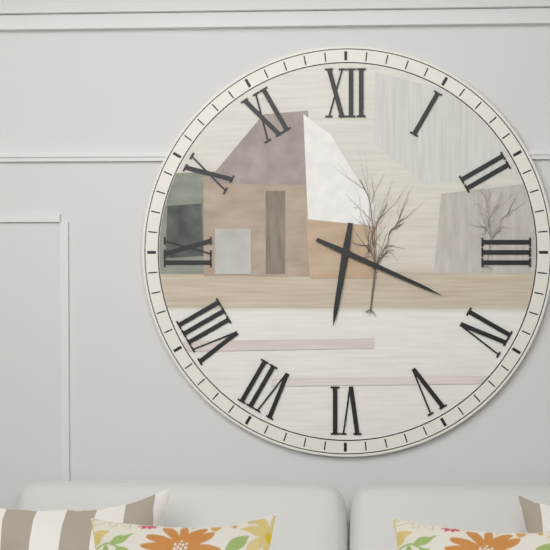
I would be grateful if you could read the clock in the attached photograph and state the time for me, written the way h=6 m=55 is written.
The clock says h=6 m=19
